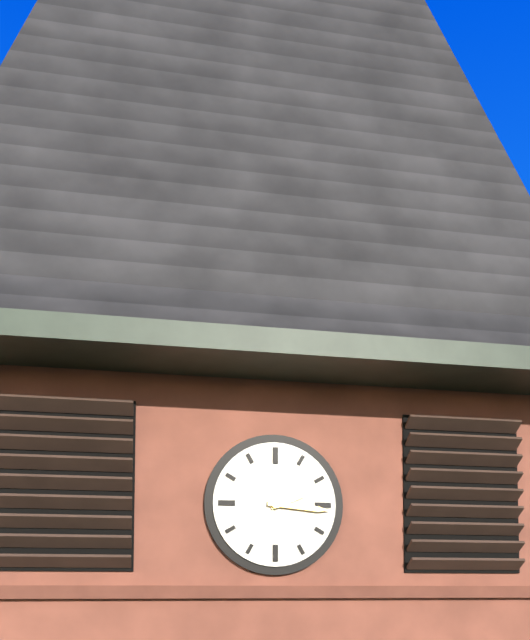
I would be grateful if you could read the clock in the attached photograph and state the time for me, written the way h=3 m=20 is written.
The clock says h=2 m=16
